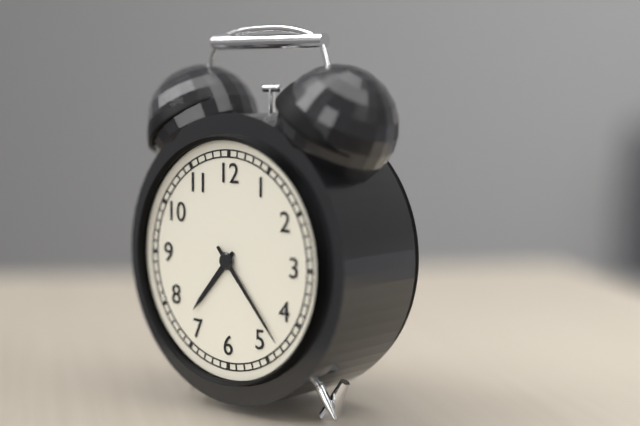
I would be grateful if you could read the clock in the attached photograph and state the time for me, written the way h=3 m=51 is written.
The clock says h=7 m=23
